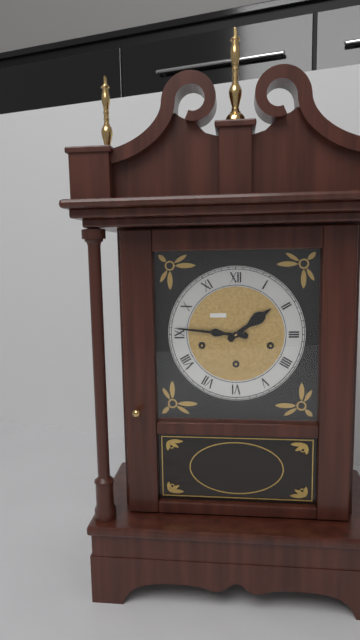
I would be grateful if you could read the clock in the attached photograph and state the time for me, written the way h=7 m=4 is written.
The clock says h=1 m=46
